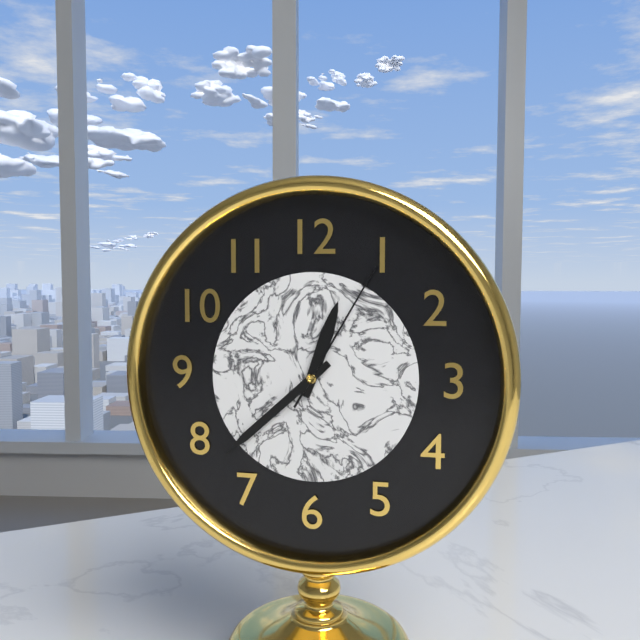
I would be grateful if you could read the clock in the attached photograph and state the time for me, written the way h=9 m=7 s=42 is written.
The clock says h=12 m=38 s=5
